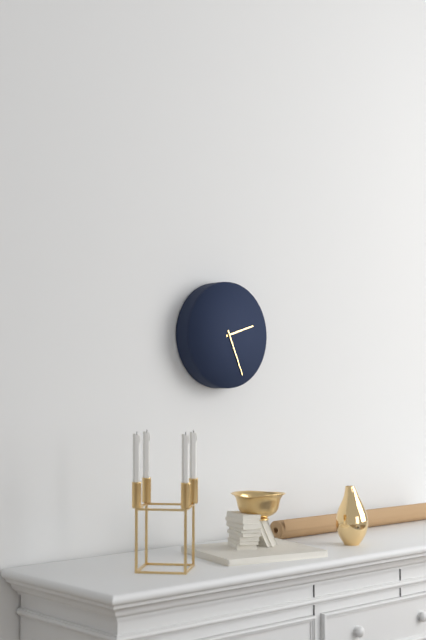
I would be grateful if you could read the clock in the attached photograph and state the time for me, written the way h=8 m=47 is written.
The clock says h=2 m=26
